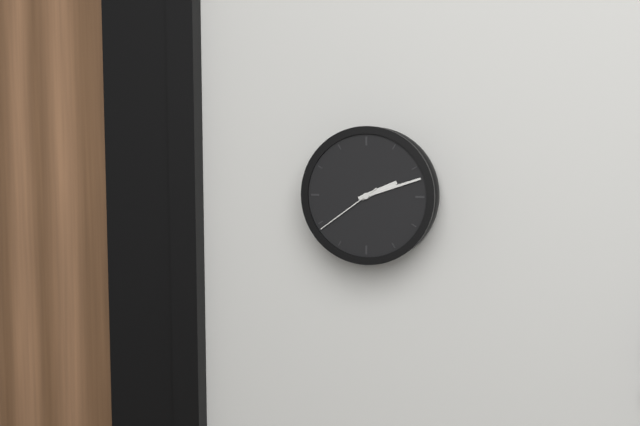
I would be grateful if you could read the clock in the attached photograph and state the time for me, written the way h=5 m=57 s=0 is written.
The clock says h=2 m=12 s=39
